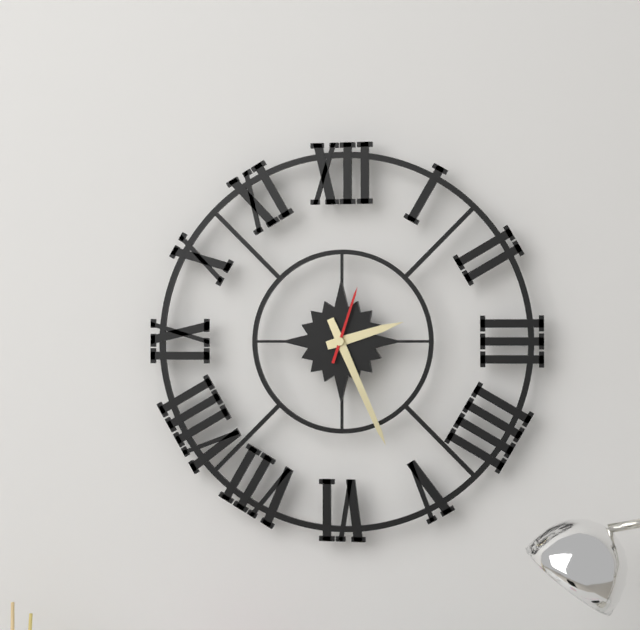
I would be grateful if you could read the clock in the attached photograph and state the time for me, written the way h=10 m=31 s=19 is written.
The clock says h=2 m=26 s=3
